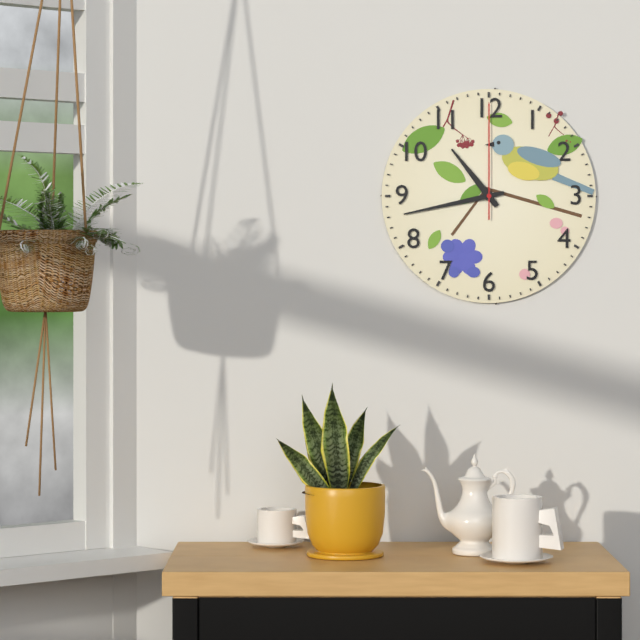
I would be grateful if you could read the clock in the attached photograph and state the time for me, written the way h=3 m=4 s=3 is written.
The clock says h=10 m=43 s=0
